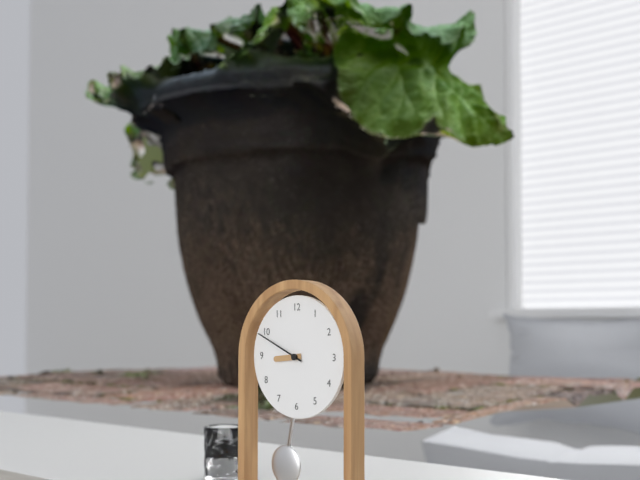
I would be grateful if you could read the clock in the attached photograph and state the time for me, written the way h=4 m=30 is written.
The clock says h=8 m=49
